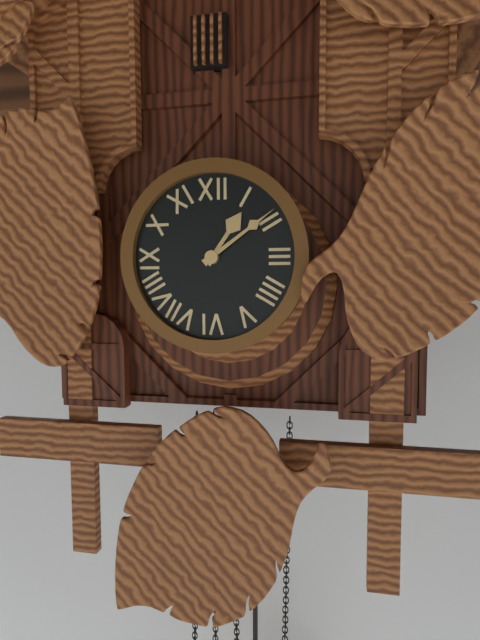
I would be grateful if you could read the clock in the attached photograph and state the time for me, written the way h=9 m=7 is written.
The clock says h=1 m=9
